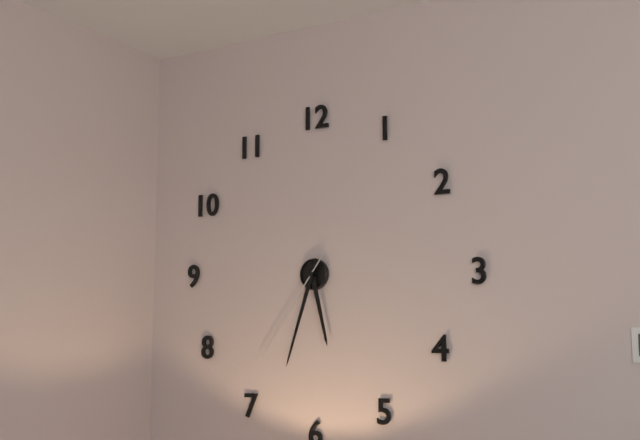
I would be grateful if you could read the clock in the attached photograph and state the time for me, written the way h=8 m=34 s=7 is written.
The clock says h=5 m=33 s=36
